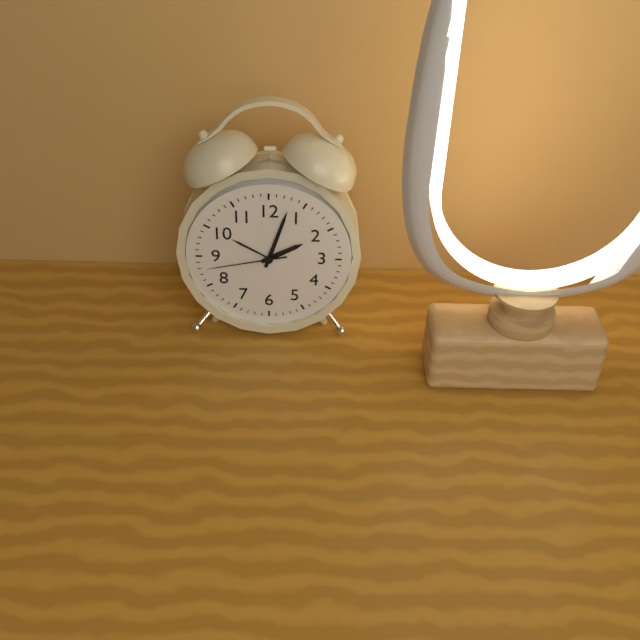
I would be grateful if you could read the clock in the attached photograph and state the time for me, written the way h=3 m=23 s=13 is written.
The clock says h=2 m=3 s=43
